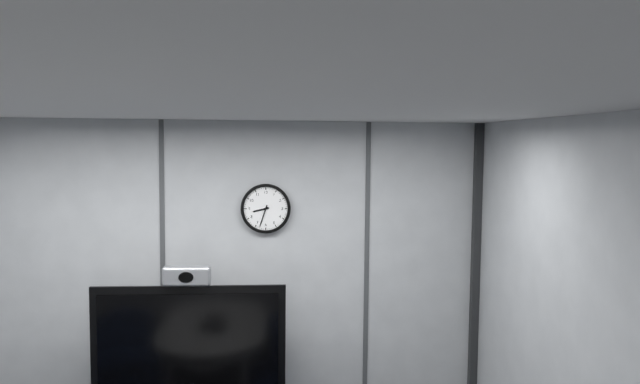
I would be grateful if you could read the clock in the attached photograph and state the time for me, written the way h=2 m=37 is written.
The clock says h=8 m=33
